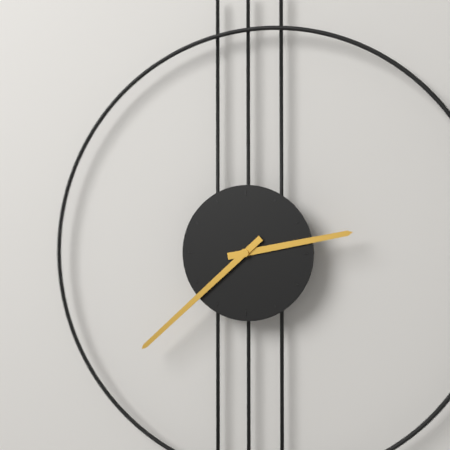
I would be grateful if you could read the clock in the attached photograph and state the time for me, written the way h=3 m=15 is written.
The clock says h=2 m=38
